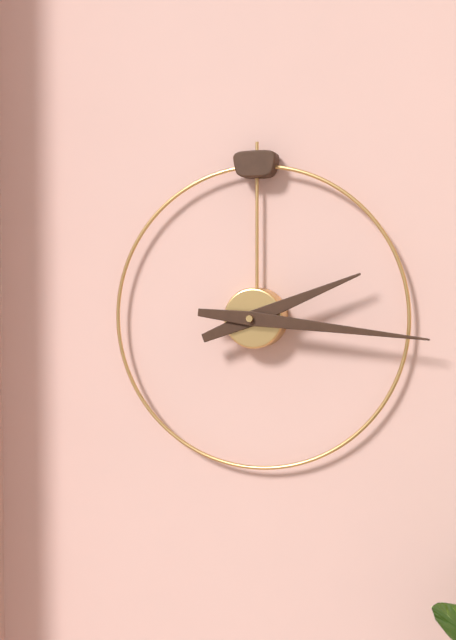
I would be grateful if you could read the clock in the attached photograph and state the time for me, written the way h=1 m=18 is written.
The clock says h=2 m=16
